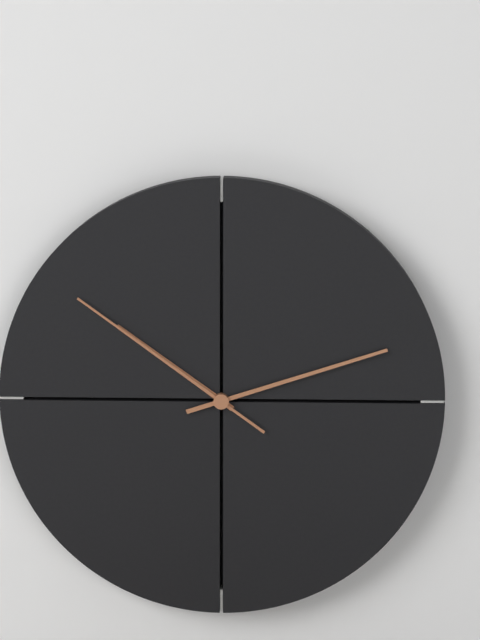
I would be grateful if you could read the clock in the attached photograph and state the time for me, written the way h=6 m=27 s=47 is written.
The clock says h=10 m=12 s=51
